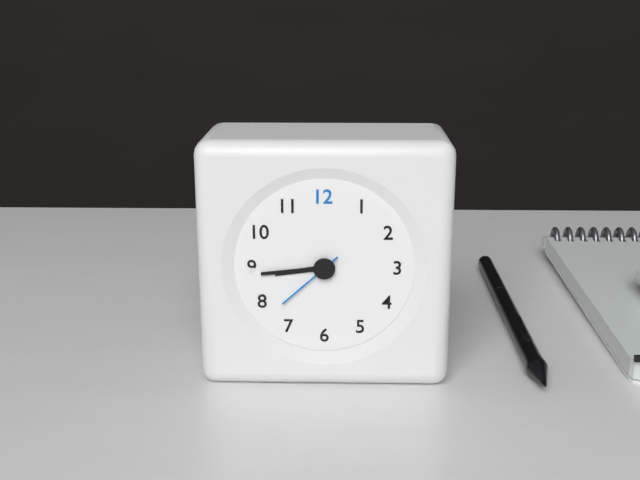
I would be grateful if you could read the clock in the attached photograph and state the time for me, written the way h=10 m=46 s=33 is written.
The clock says h=8 m=44 s=38
